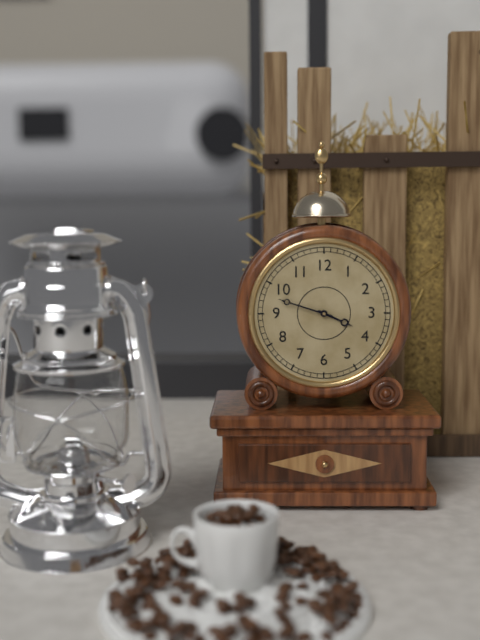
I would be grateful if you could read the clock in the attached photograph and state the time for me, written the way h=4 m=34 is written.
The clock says h=3 m=48
